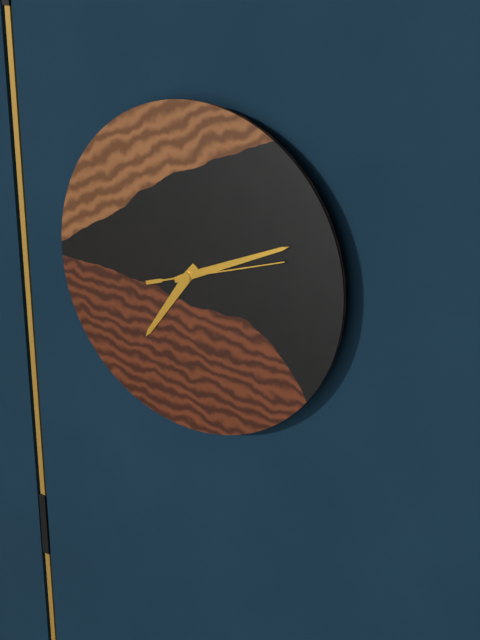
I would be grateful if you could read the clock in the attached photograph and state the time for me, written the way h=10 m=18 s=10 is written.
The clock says h=7 m=11 s=12
